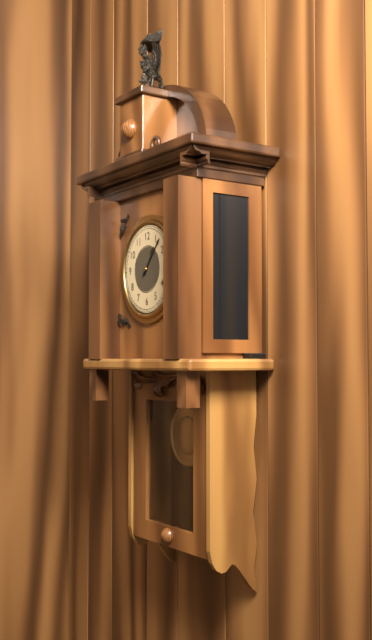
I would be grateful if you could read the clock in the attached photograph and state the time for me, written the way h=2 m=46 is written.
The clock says h=1 m=7
